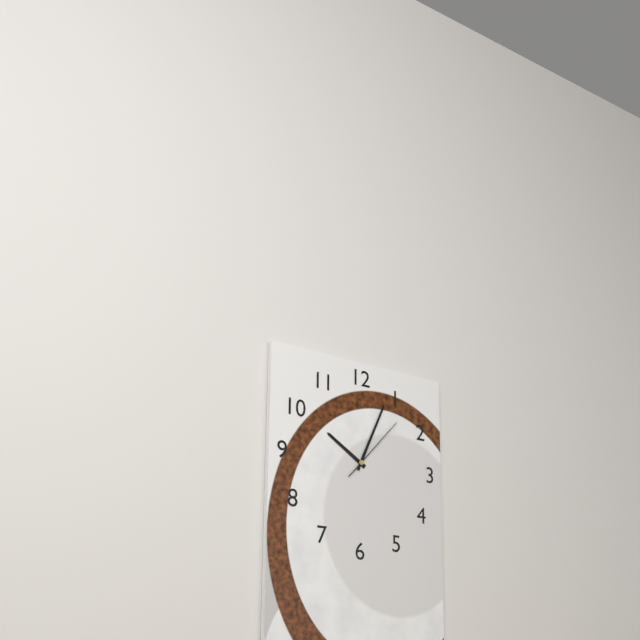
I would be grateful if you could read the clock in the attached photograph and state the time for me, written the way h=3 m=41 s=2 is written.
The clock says h=10 m=4 s=7
